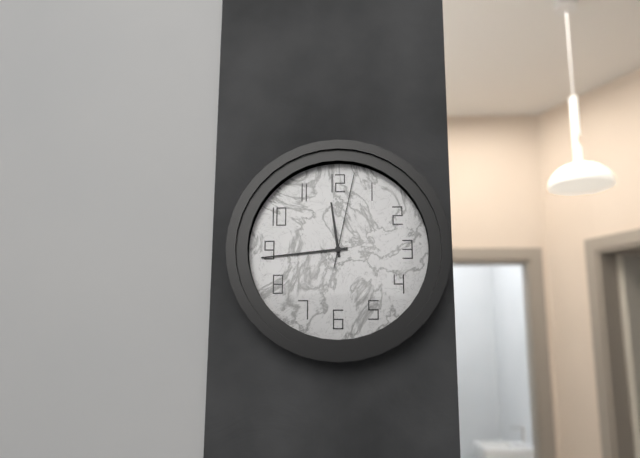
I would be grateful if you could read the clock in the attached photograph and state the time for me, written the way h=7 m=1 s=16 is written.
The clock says h=11 m=44 s=2
